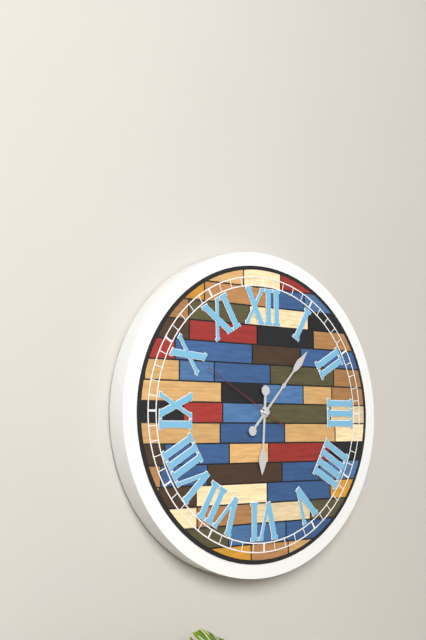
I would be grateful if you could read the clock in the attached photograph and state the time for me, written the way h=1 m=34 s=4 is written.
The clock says h=6 m=7 s=50
